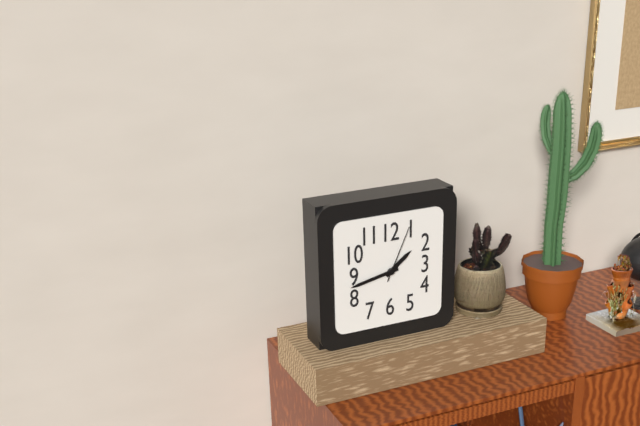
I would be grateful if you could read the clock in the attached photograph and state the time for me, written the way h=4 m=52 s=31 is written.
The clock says h=1 m=43 s=4
